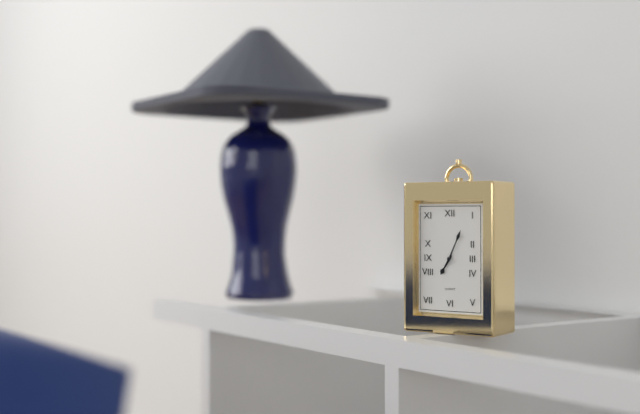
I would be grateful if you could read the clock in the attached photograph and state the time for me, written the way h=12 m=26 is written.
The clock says h=7 m=4
